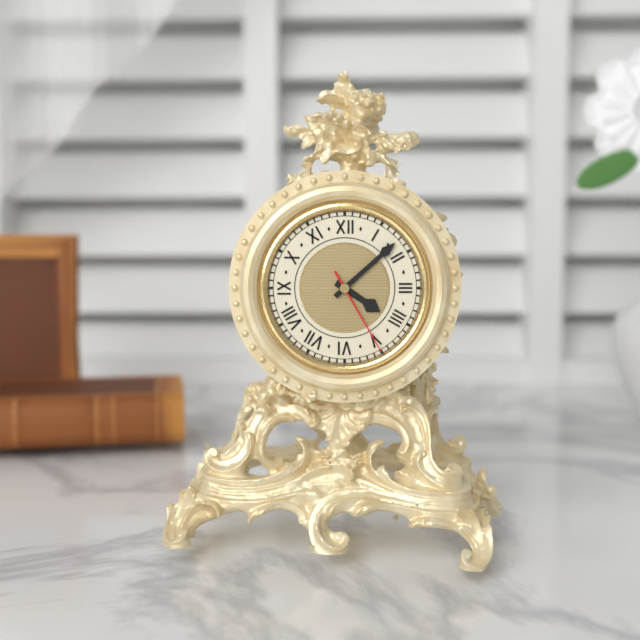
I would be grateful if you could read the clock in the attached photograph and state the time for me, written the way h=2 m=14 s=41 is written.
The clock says h=4 m=8 s=25
